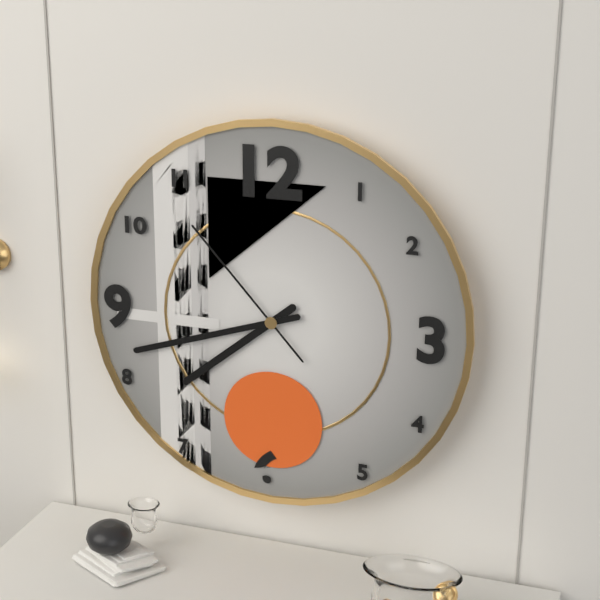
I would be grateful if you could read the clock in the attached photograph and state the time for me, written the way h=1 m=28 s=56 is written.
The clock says h=7 m=42 s=53
